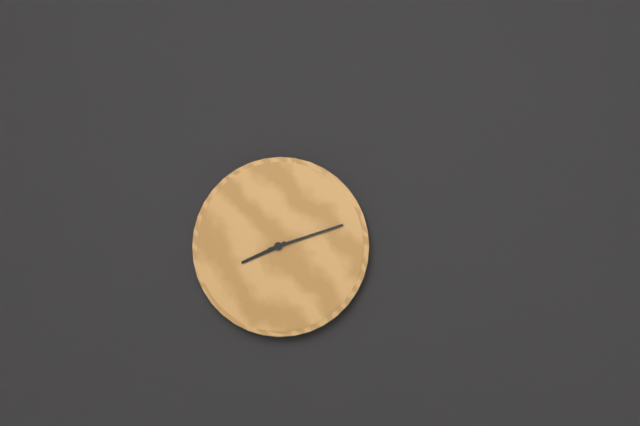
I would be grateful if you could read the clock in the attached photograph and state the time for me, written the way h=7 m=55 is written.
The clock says h=8 m=12
